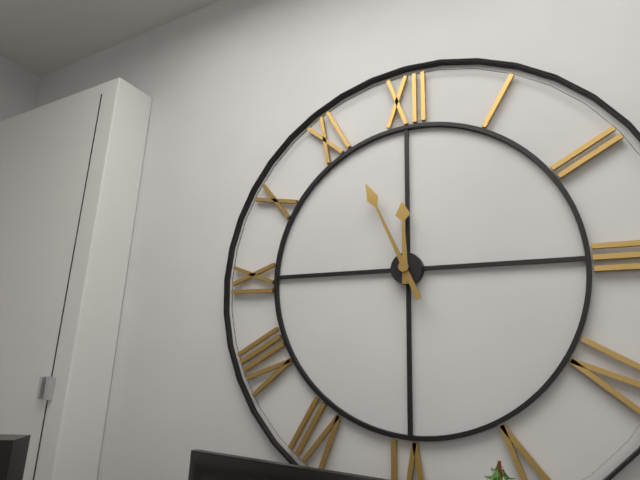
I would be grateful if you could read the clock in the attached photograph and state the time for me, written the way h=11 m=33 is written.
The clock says h=11 m=56
